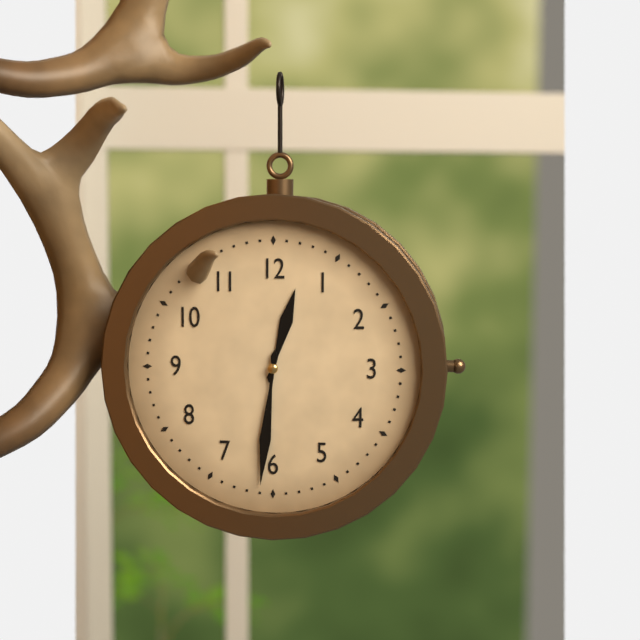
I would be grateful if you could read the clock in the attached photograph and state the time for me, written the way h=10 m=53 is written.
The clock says h=12 m=31
